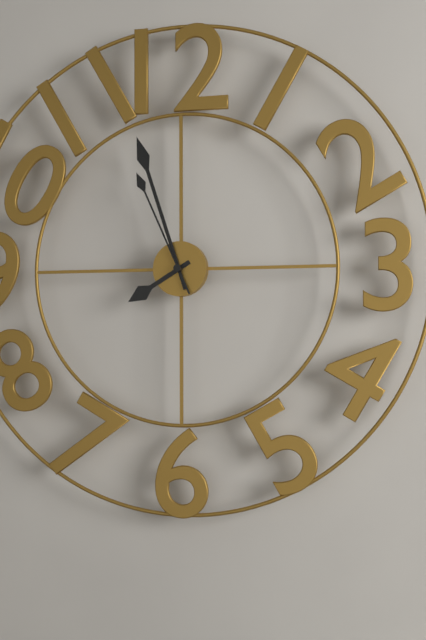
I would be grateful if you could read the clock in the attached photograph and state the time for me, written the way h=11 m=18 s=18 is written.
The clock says h=7 m=57 s=56
